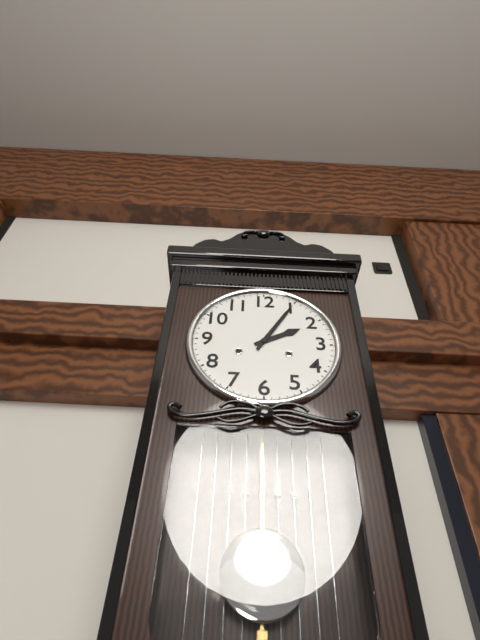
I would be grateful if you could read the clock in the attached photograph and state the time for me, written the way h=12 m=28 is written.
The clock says h=2 m=5
